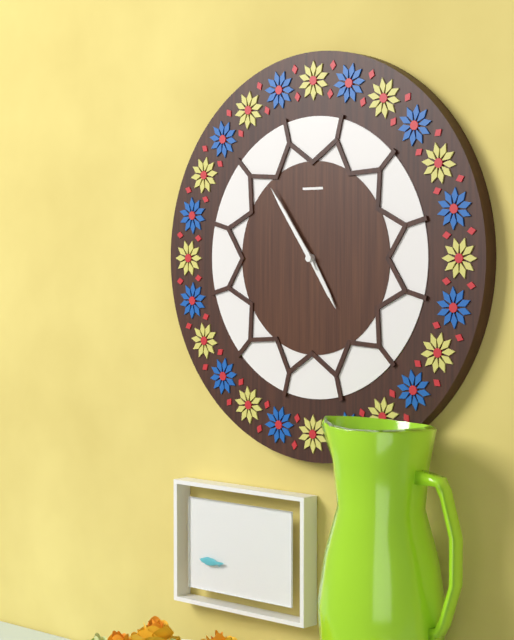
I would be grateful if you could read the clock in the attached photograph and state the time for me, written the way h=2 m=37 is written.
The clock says h=4 m=54
